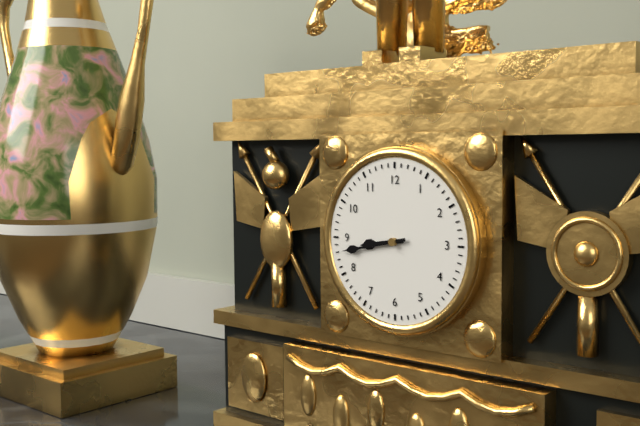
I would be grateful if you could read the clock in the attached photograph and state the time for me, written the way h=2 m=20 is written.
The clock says h=8 m=43
